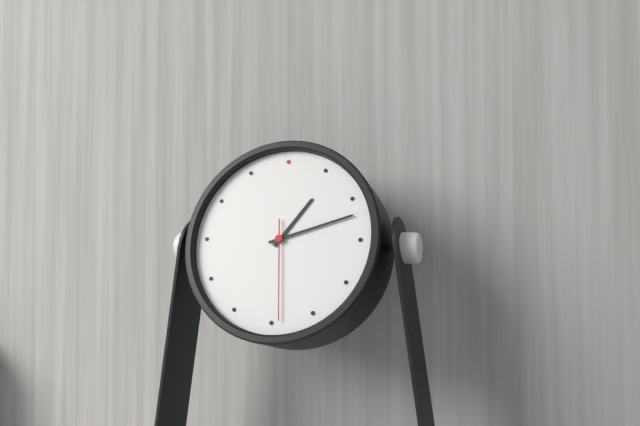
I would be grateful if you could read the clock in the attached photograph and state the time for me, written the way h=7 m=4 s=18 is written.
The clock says h=1 m=12 s=29
